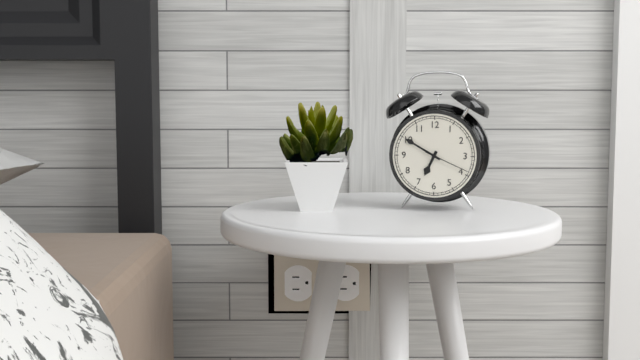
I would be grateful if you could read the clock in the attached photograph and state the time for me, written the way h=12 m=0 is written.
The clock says h=6 m=50
